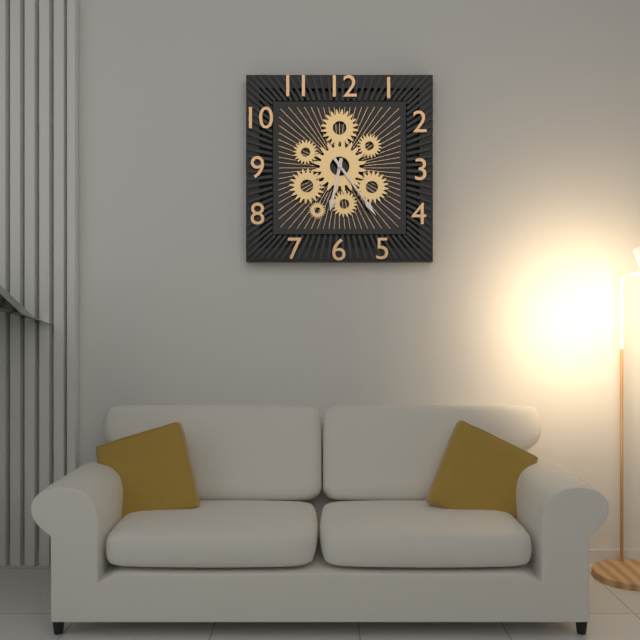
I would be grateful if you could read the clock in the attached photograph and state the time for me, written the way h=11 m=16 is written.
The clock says h=6 m=24
